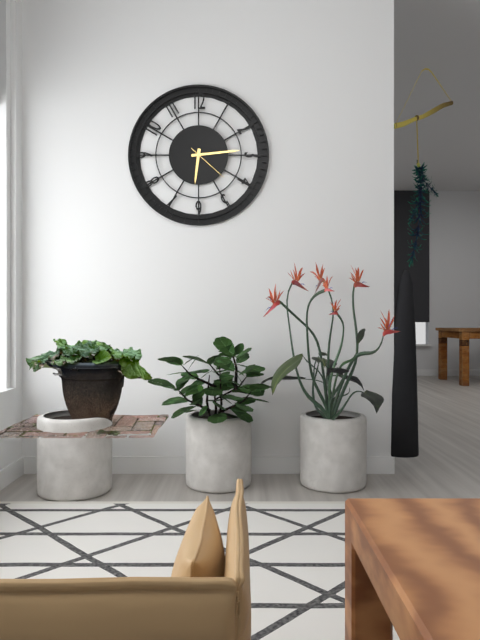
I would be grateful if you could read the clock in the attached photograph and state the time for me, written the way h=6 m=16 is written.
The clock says h=6 m=14
